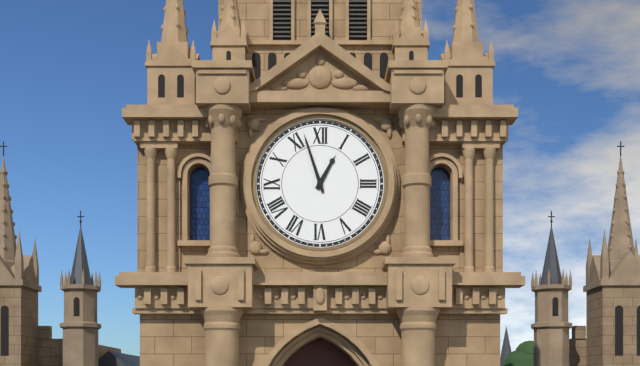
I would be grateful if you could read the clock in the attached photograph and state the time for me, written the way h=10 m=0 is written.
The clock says h=12 m=57
